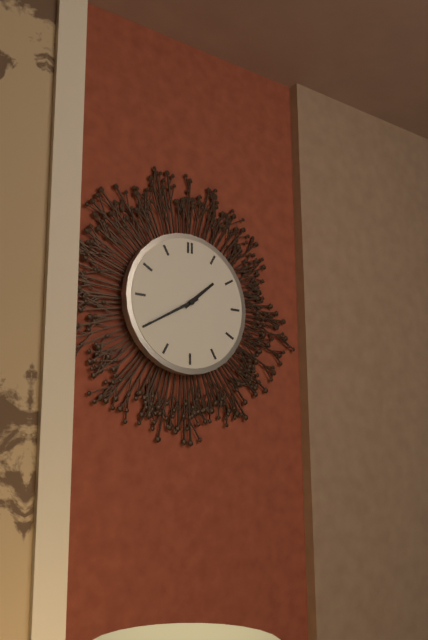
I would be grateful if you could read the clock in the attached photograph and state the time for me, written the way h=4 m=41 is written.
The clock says h=1 m=40
